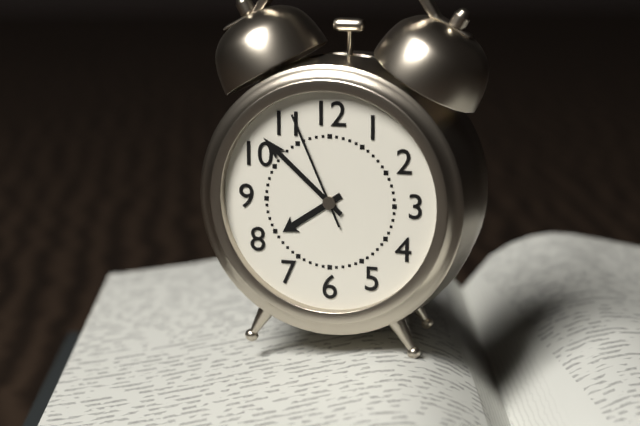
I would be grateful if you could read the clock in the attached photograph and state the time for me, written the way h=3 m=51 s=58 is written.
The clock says h=7 m=52 s=56
